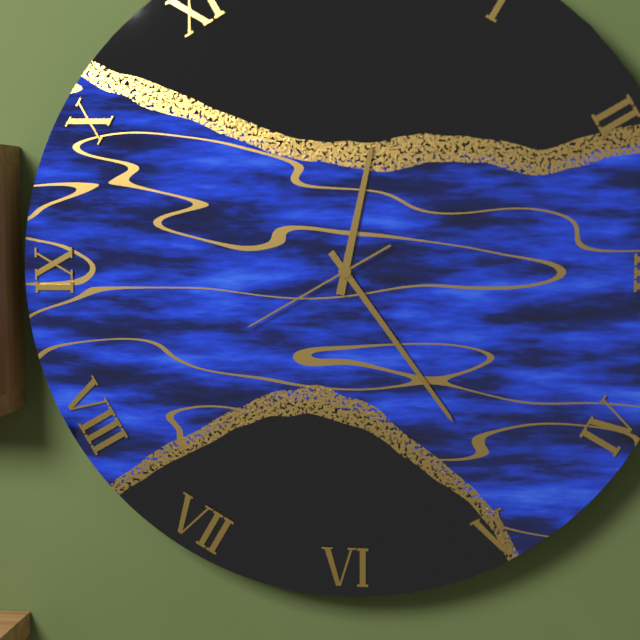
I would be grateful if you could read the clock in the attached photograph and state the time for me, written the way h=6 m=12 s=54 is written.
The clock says h=12 m=24 s=40
